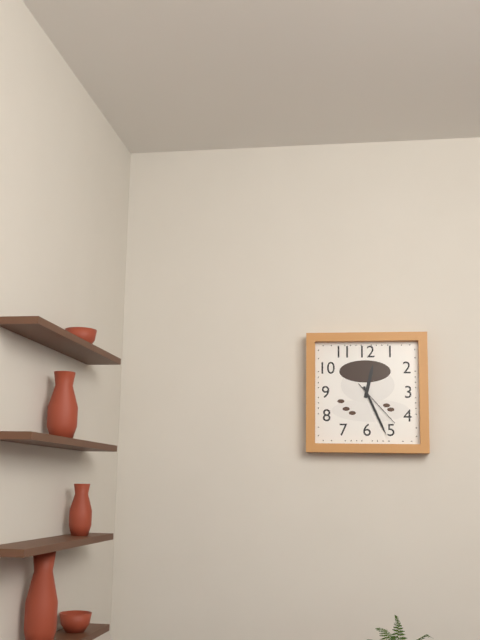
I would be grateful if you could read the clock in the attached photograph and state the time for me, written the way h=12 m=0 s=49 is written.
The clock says h=12 m=26 s=23
